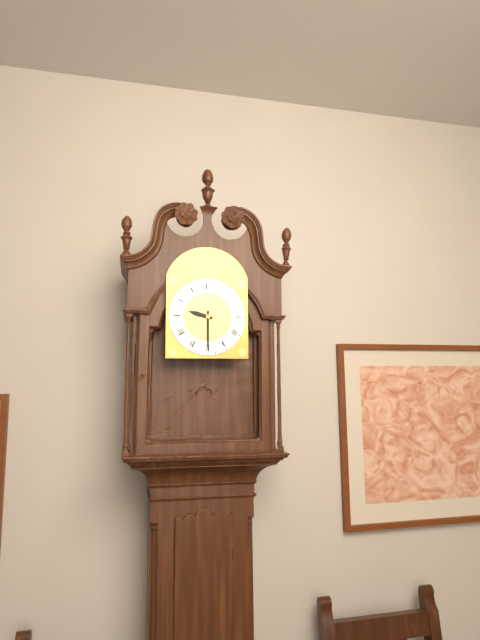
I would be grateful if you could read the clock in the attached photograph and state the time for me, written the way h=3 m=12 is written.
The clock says h=9 m=30
